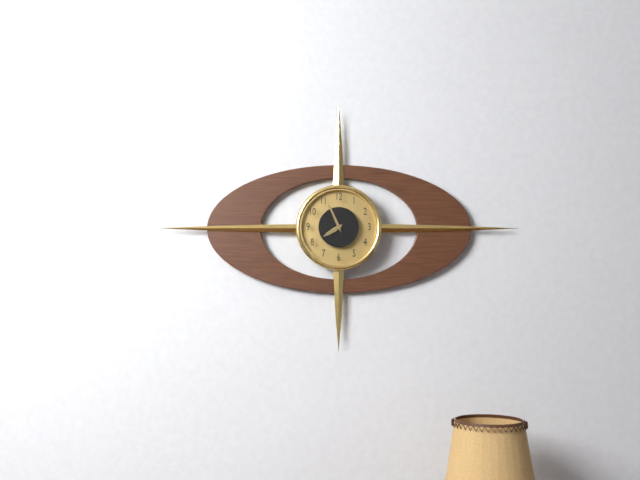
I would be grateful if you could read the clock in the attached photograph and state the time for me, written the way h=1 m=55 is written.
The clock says h=7 m=56
